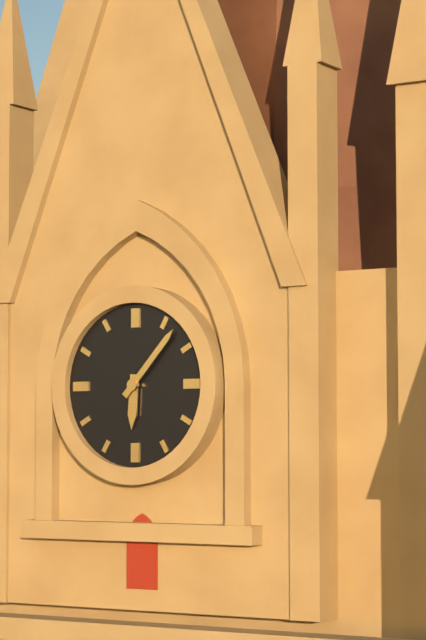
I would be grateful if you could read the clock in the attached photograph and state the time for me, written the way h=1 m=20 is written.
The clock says h=6 m=7
